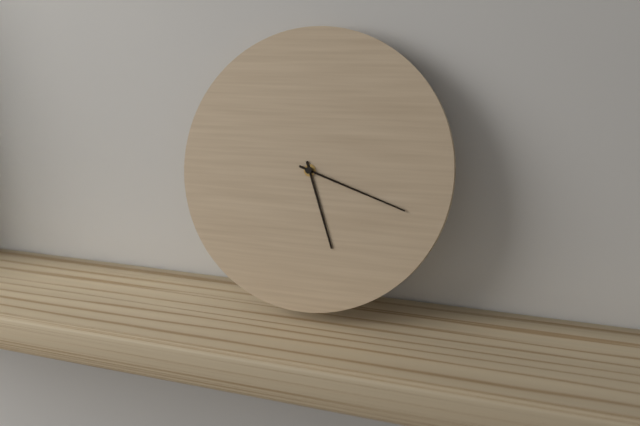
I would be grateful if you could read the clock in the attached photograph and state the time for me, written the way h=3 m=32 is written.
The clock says h=5 m=18
